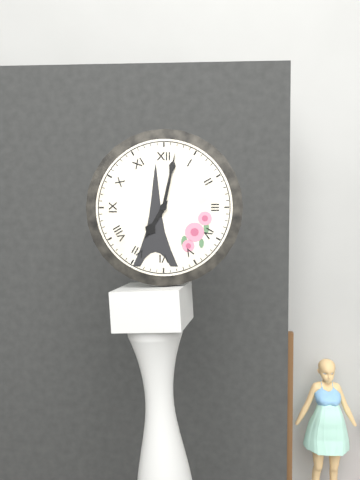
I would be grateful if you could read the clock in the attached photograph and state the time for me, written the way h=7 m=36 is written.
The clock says h=7 m=2
